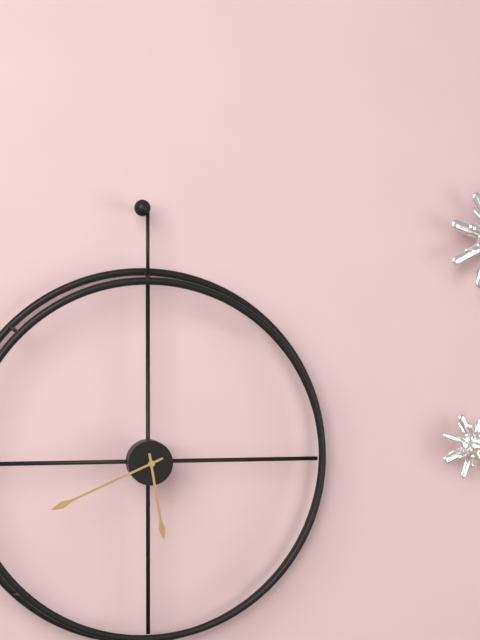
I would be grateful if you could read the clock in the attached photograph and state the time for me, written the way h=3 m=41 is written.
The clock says h=5 m=41
